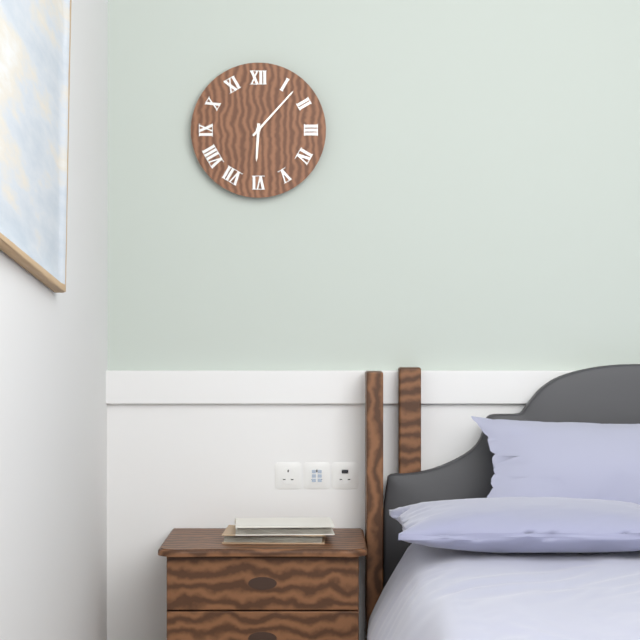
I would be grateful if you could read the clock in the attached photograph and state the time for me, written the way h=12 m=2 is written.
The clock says h=6 m=7
